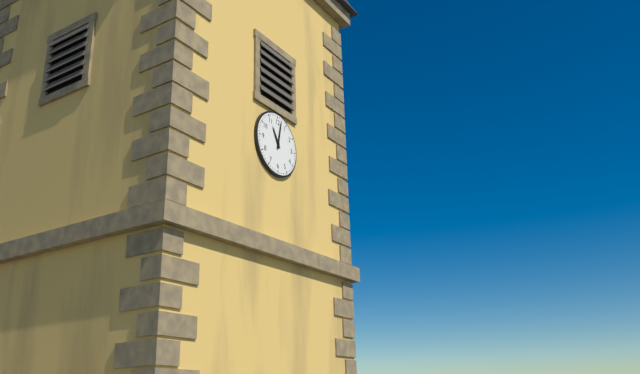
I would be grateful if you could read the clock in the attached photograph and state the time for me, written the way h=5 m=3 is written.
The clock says h=11 m=2
